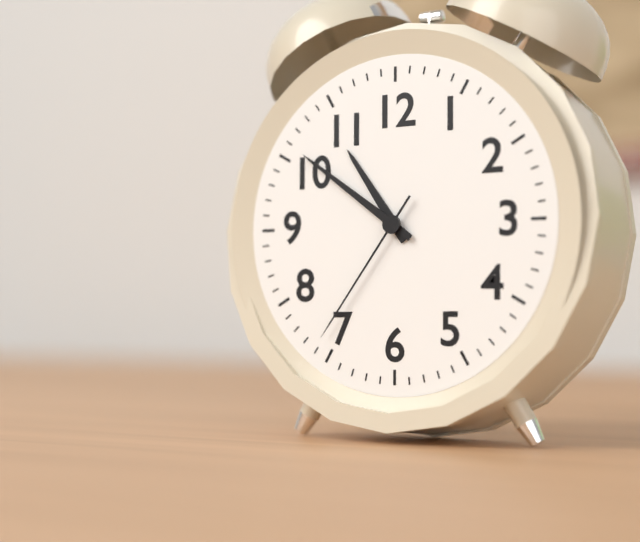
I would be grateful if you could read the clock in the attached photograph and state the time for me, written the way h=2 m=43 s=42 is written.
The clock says h=10 m=51 s=36
